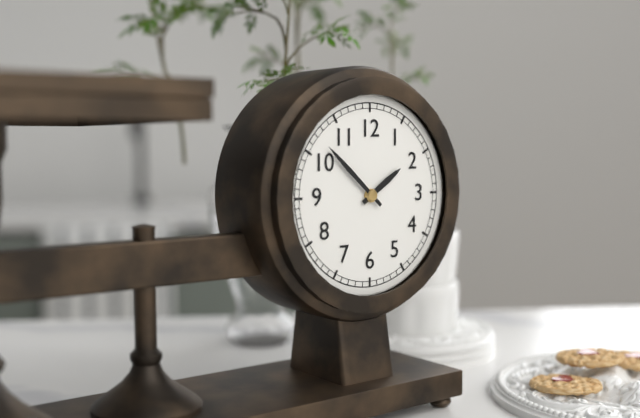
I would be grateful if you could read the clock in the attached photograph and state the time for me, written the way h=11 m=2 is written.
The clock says h=1 m=52
